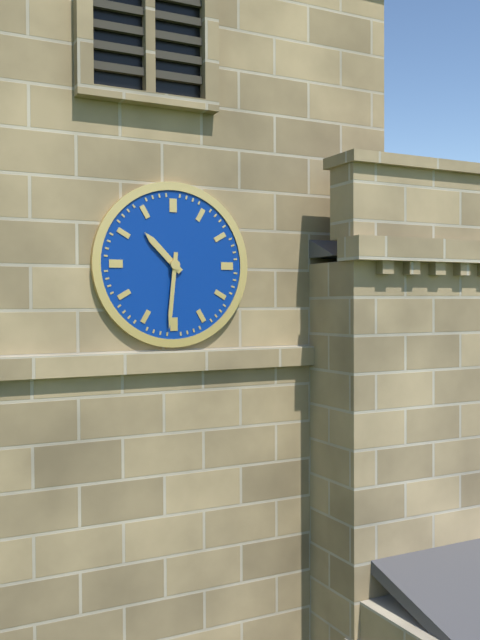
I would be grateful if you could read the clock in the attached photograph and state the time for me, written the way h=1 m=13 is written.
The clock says h=10 m=31
